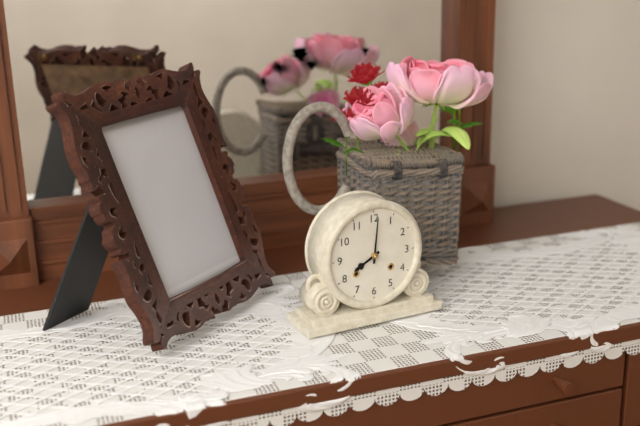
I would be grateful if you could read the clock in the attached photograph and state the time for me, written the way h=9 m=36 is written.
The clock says h=8 m=1
